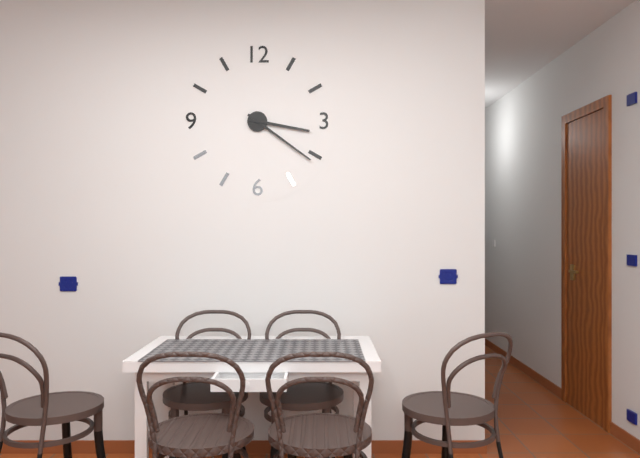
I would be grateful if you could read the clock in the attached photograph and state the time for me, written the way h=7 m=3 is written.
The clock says h=3 m=21
